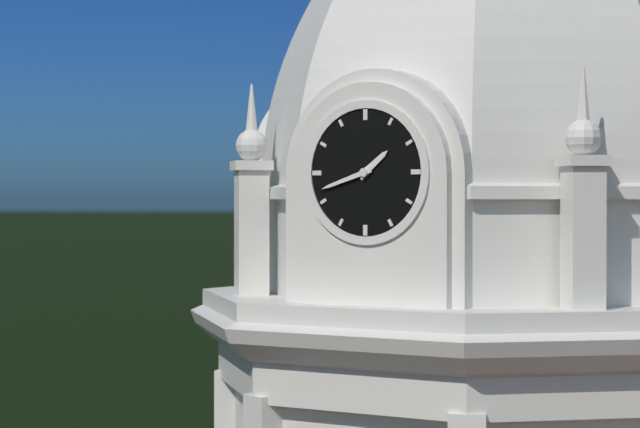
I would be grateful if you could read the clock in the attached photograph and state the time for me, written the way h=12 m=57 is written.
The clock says h=1 m=42
